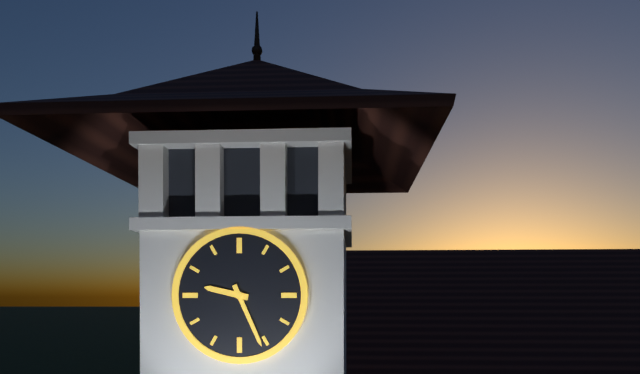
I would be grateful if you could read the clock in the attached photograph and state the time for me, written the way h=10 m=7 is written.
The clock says h=9 m=26
